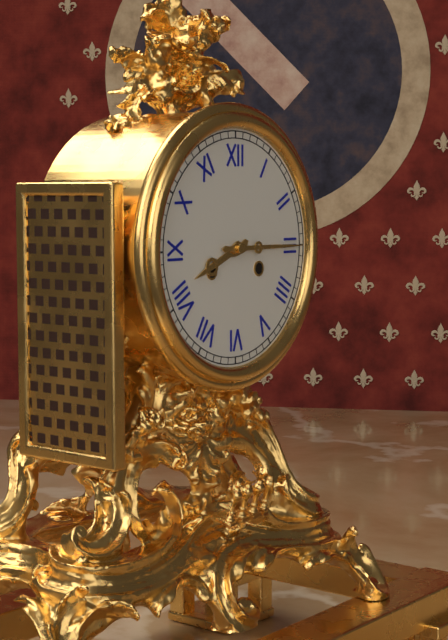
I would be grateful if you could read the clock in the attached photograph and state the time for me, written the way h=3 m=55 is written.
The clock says h=8 m=15
